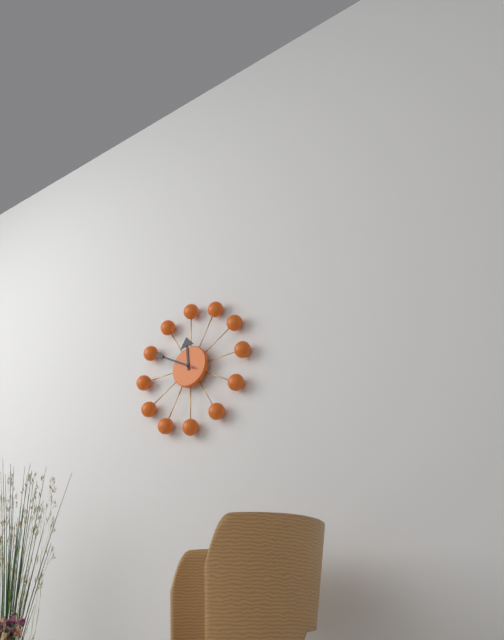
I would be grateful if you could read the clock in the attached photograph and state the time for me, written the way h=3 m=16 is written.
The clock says h=11 m=50
